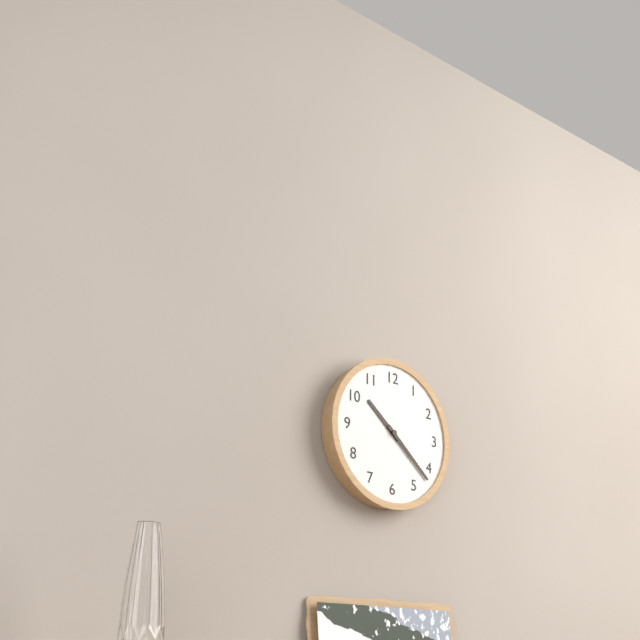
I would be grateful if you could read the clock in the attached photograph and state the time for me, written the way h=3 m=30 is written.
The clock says h=10 m=22
